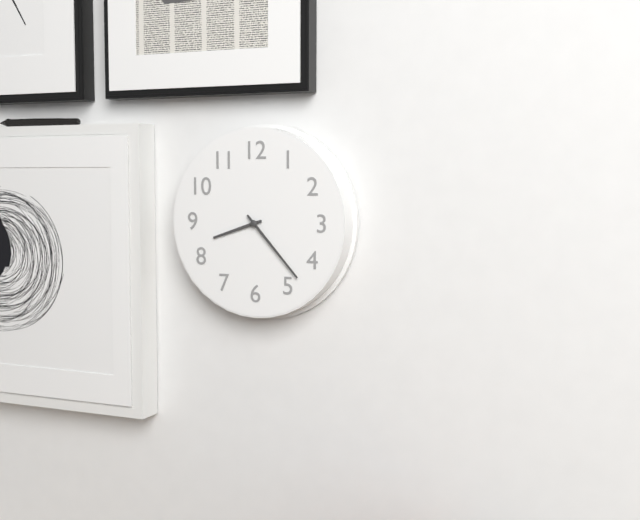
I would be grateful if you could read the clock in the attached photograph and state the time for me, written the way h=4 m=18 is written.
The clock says h=8 m=23
